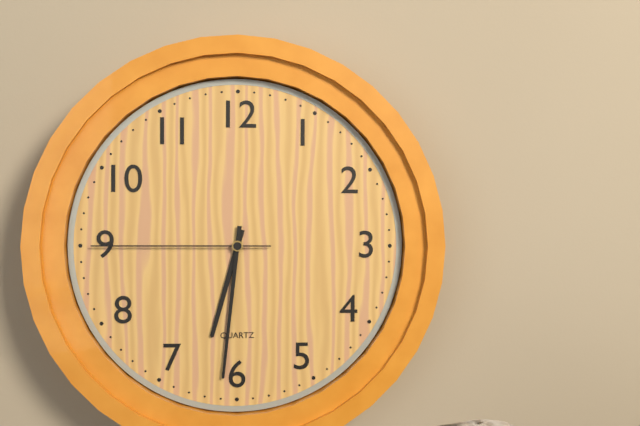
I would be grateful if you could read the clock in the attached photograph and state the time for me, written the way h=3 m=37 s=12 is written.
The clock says h=6 m=31 s=45
